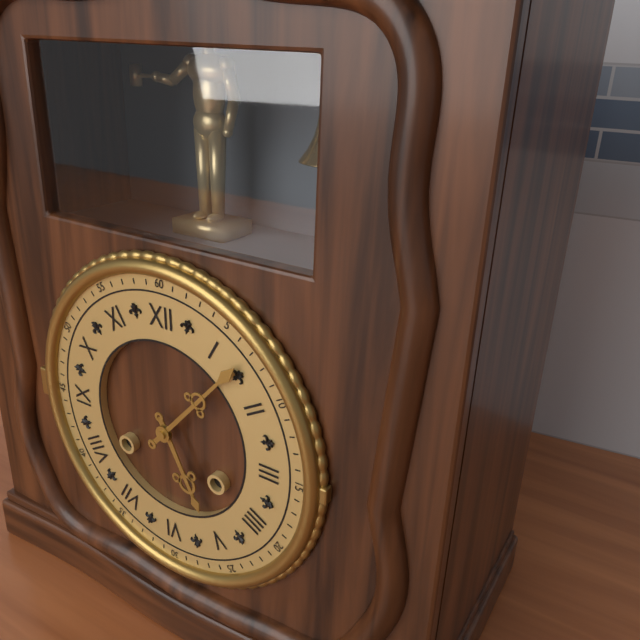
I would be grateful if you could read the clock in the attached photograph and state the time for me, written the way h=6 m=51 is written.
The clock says h=5 m=7
